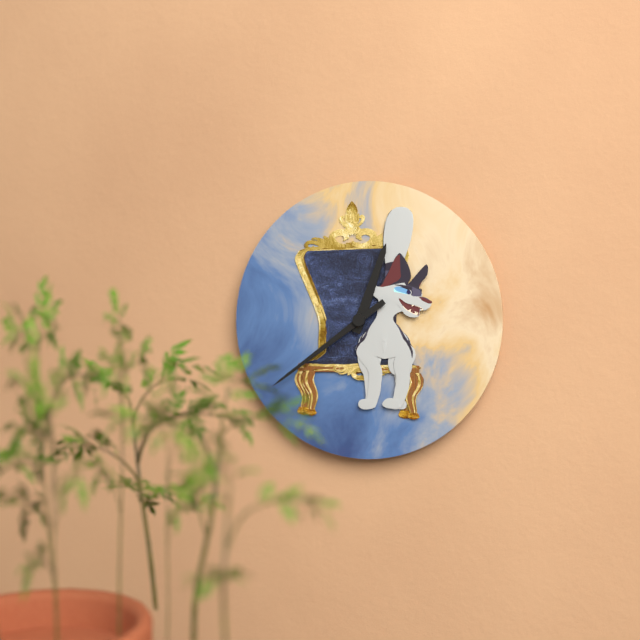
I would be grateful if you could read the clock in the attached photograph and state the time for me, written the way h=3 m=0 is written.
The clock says h=12 m=39
